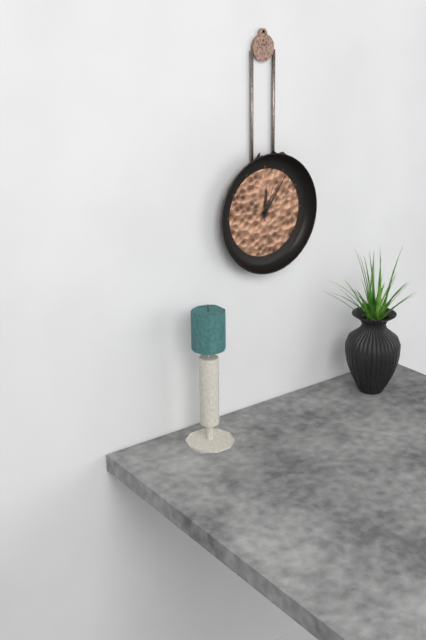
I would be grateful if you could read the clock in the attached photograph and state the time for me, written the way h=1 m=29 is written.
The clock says h=12 m=6
